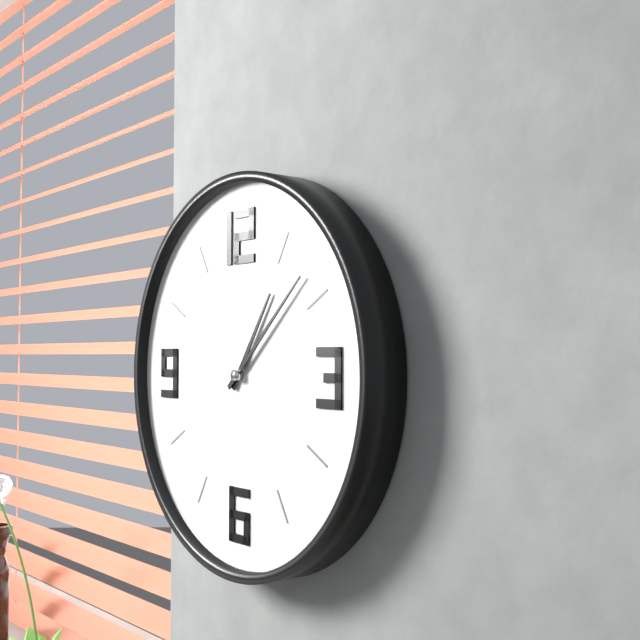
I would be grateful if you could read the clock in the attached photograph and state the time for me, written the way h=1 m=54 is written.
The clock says h=1 m=8
